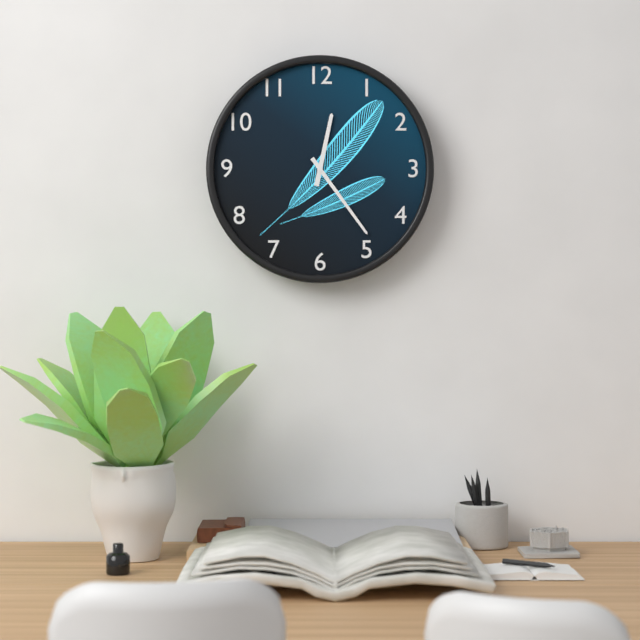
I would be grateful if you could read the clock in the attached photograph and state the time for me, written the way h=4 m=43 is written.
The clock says h=12 m=24
